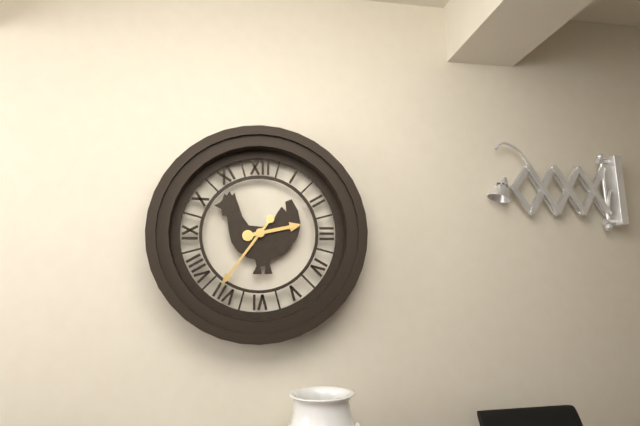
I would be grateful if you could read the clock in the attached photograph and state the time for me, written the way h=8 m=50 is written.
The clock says h=2 m=36
